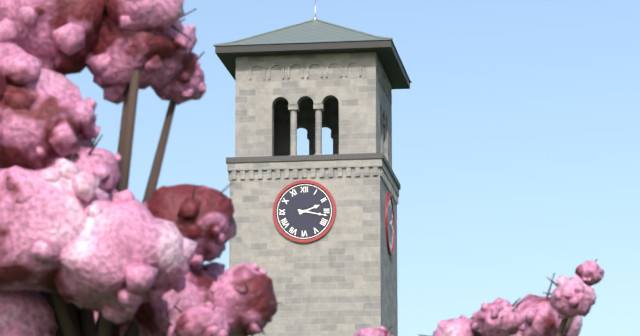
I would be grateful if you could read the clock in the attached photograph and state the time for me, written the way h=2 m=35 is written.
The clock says h=2 m=17
